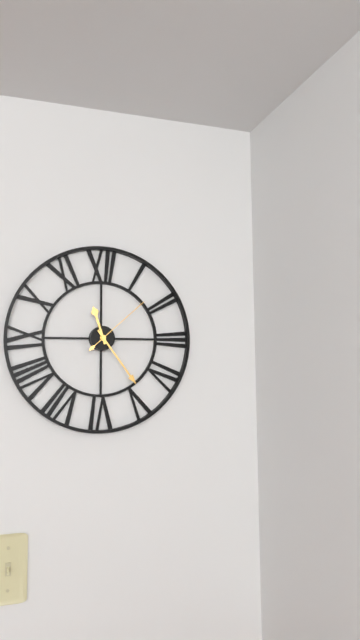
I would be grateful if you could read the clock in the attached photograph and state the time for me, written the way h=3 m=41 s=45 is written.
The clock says h=11 m=24 s=8
